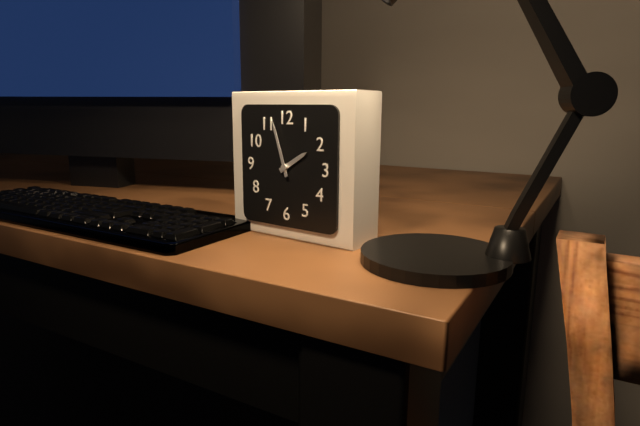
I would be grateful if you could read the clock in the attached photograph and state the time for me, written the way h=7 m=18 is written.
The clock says h=1 m=57
